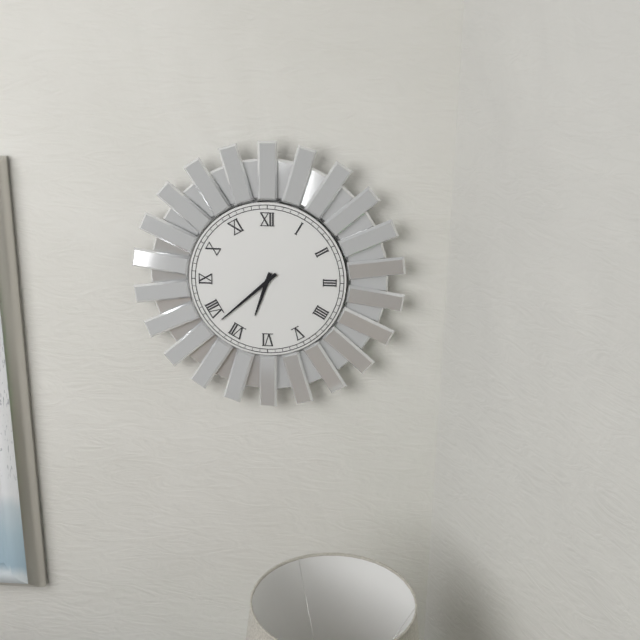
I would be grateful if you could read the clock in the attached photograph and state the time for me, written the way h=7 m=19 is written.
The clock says h=6 m=38
